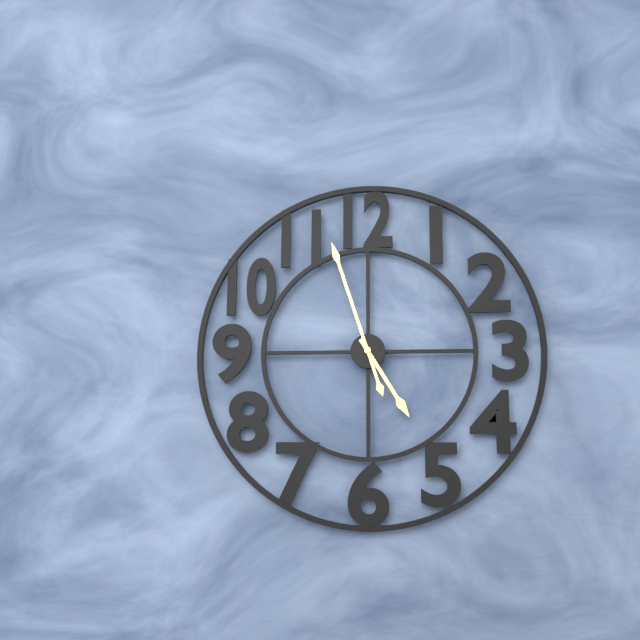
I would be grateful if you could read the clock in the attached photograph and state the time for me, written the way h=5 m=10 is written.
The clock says h=4 m=57
